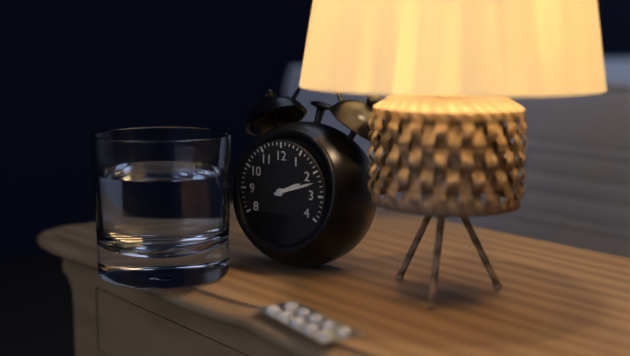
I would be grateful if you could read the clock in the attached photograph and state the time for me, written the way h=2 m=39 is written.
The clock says h=2 m=12
